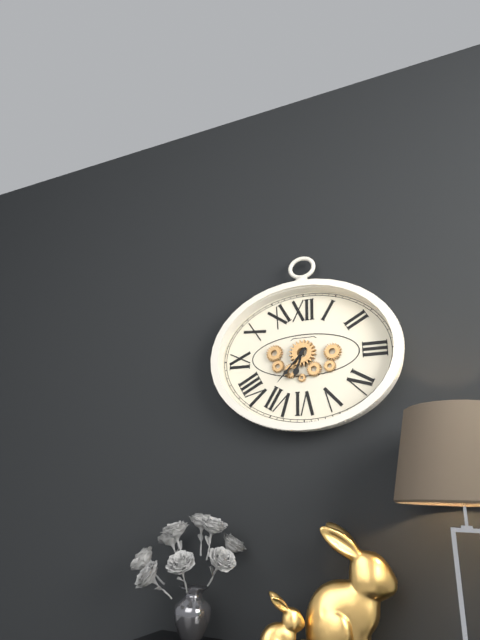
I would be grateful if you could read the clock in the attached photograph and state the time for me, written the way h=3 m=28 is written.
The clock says h=6 m=37
